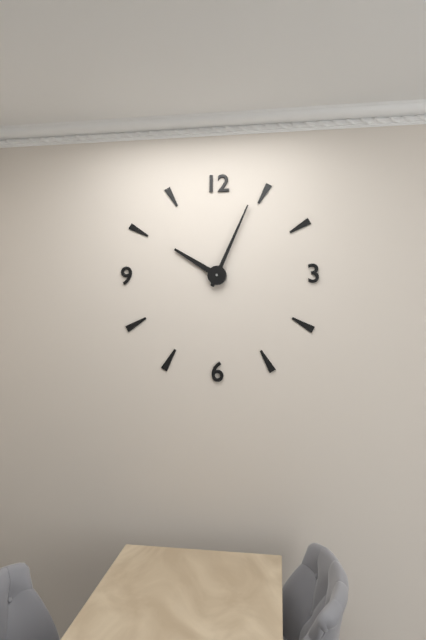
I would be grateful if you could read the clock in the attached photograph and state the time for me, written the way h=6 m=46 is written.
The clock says h=10 m=4
